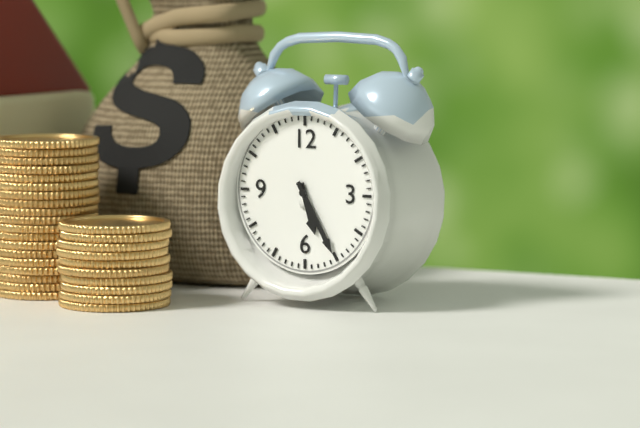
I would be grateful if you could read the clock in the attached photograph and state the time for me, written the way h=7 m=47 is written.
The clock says h=5 m=25
